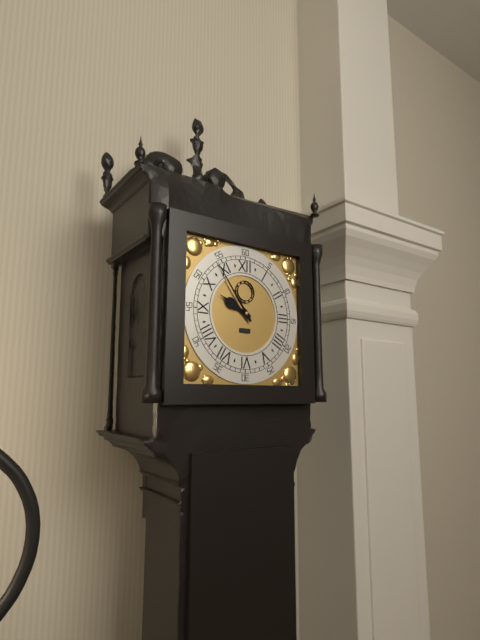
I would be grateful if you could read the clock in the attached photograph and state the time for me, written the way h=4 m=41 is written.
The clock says h=9 m=54
